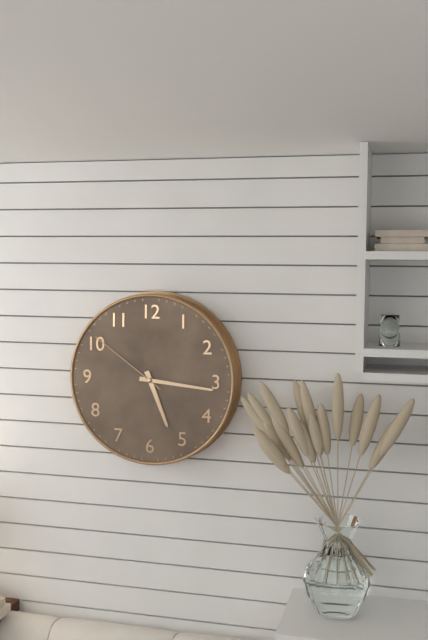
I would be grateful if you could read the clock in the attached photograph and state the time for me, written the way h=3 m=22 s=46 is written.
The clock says h=5 m=16 s=51
